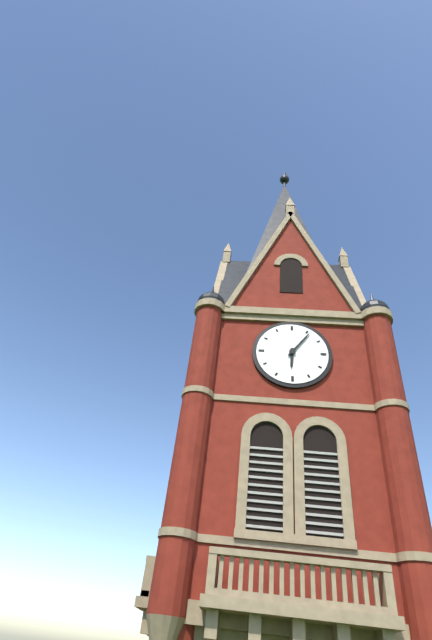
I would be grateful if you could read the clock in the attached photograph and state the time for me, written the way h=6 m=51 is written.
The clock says h=6 m=6
